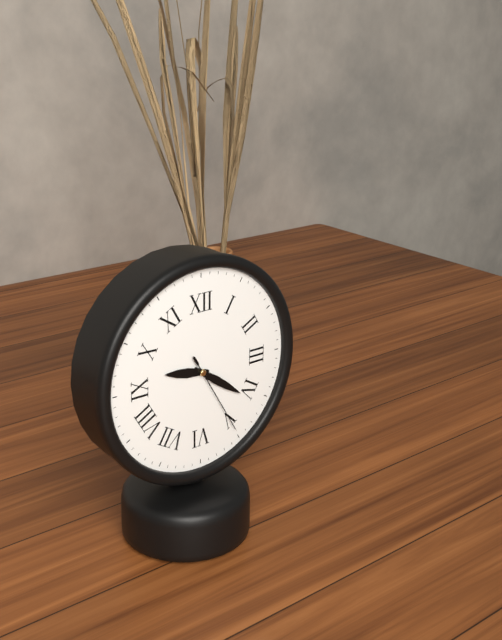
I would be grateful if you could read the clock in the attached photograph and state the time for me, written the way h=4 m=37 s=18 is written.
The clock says h=9 m=21 s=25
